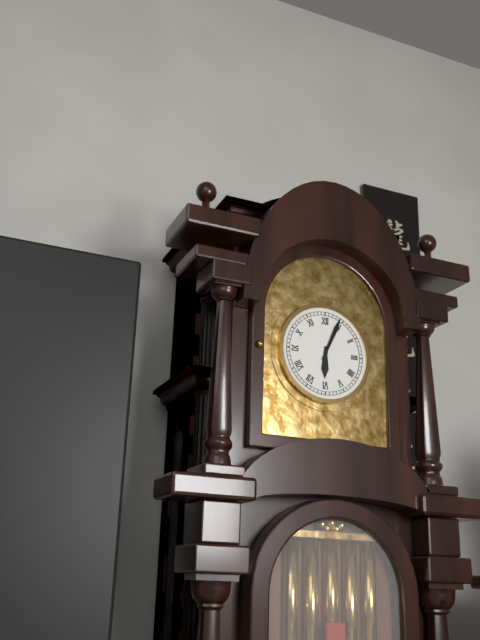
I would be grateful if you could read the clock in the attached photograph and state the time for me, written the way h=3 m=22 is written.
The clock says h=6 m=4
